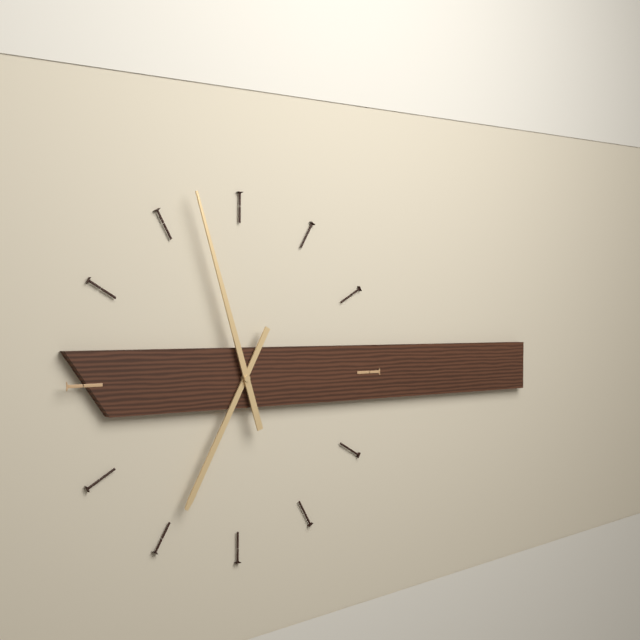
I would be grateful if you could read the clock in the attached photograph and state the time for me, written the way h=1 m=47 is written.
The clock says h=6 m=57
